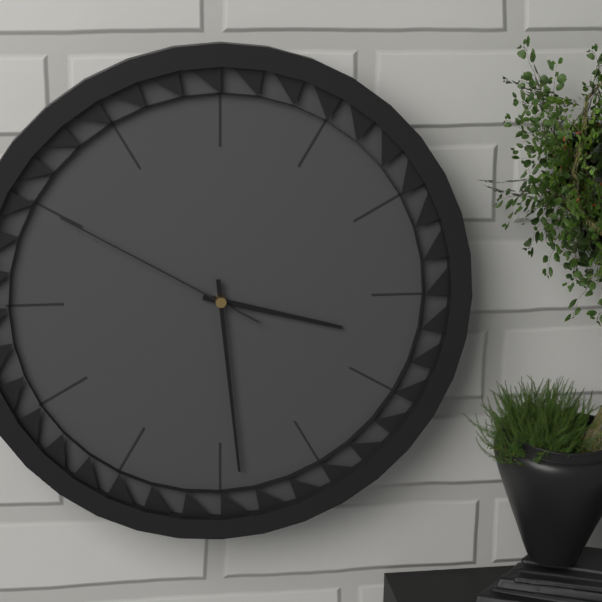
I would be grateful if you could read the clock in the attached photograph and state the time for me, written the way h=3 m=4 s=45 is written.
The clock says h=3 m=29 s=50
